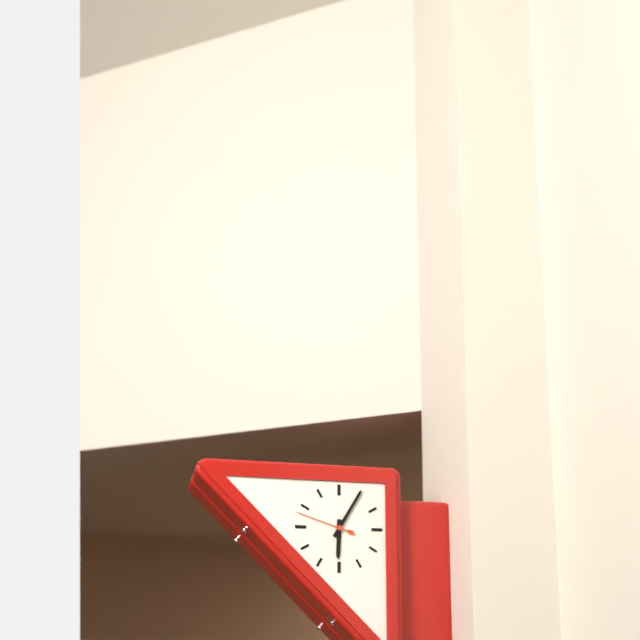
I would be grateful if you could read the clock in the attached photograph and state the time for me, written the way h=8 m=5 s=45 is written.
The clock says h=6 m=5 s=48
